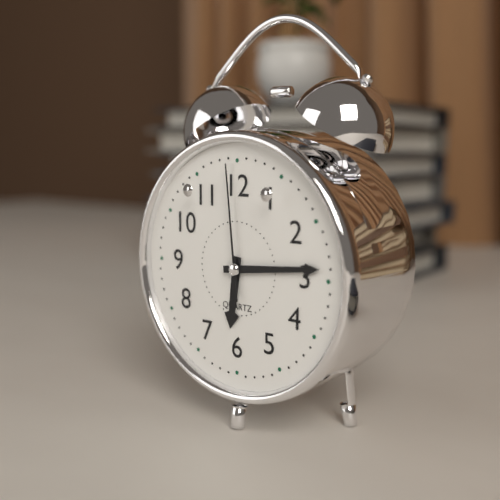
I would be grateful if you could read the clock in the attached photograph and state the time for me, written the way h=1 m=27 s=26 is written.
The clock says h=6 m=14 s=59
